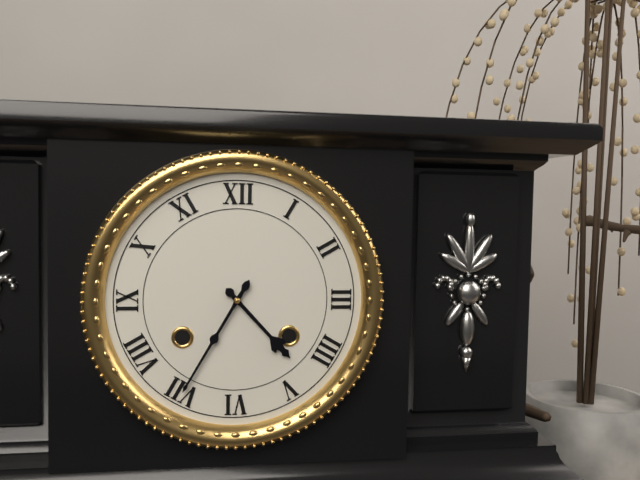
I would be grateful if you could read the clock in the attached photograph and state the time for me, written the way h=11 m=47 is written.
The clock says h=4 m=35
